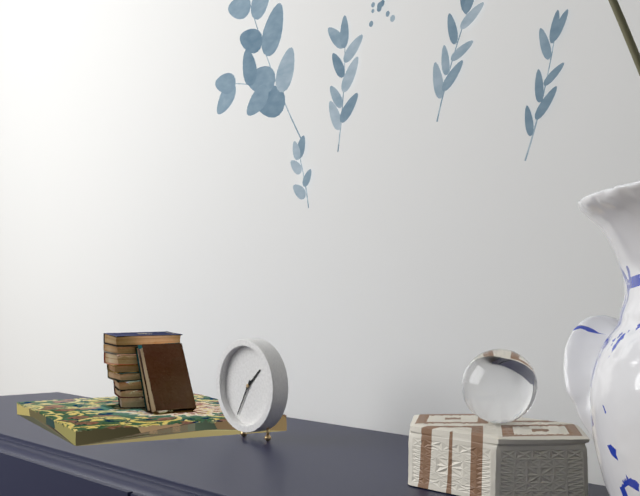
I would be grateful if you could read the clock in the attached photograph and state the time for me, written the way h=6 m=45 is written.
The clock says h=1 m=35
